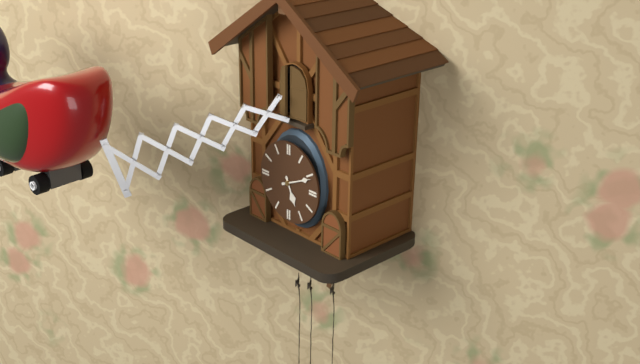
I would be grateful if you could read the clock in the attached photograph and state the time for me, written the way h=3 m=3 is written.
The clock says h=5 m=11
